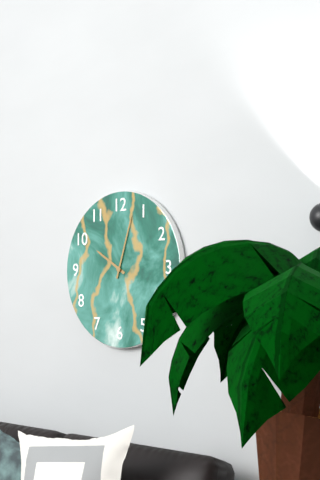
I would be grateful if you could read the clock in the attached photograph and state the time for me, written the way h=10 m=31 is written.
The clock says h=10 m=3
